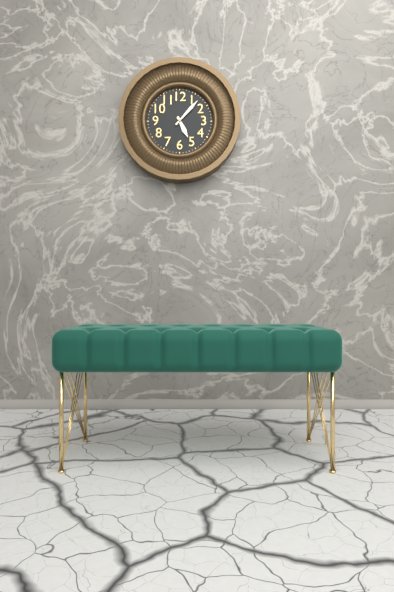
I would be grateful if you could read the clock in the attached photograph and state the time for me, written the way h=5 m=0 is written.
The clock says h=5 m=7
